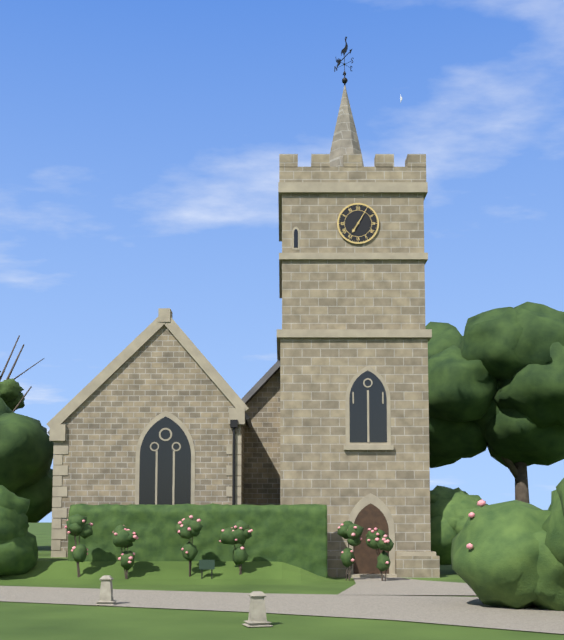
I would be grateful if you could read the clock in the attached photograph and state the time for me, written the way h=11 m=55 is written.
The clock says h=7 m=5
